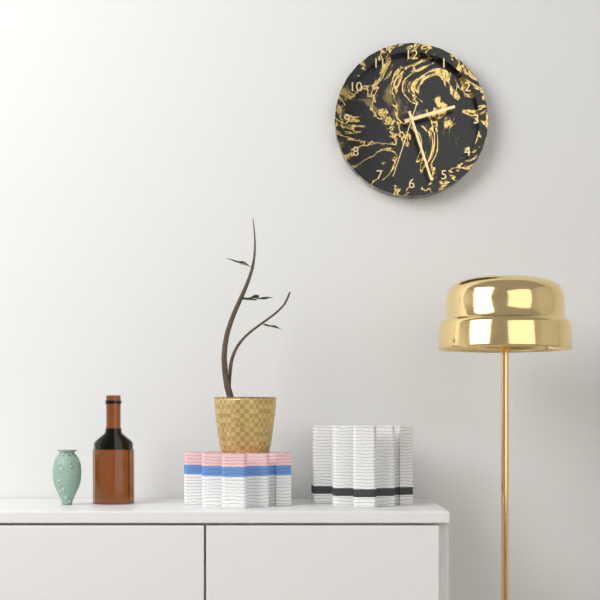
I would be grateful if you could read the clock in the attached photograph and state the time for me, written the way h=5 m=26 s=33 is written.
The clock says h=2 m=27 s=33
